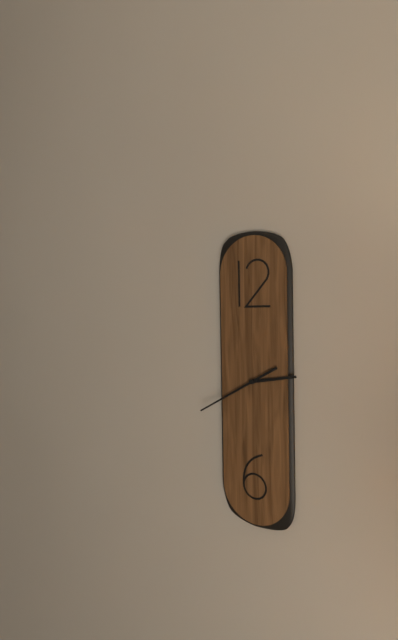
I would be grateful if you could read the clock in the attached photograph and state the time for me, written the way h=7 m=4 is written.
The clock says h=2 m=40
